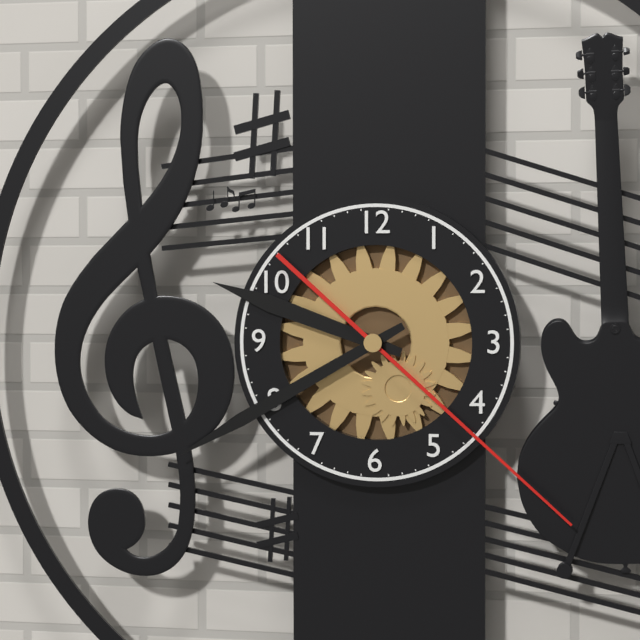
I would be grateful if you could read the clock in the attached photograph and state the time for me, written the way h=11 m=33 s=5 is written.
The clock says h=9 m=40 s=22
